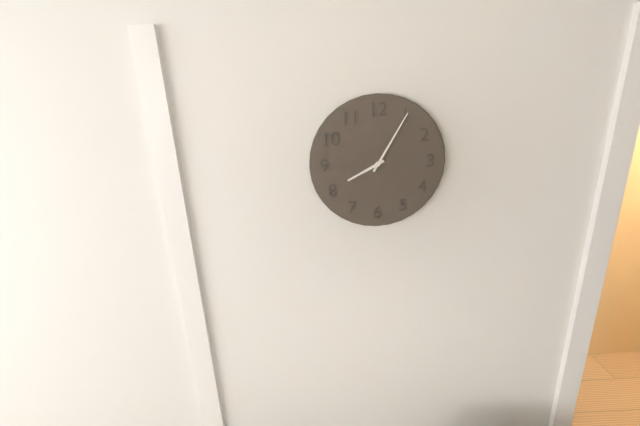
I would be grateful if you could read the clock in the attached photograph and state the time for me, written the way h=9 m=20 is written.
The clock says h=8 m=5
